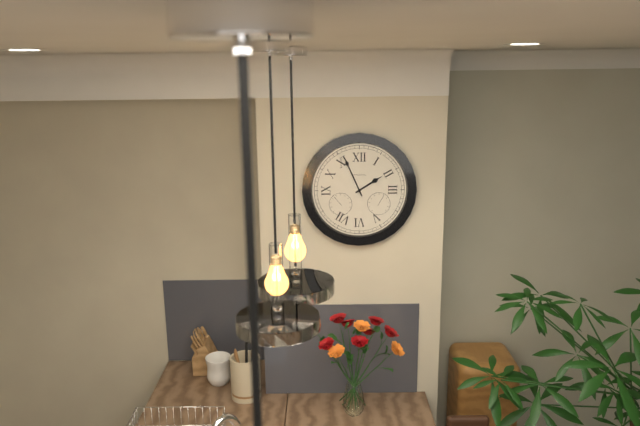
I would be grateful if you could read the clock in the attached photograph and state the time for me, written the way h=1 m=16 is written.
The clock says h=1 m=56
